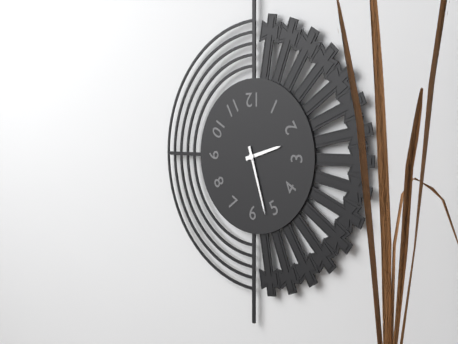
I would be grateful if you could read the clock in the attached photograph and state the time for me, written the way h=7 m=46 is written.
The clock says h=2 m=27
